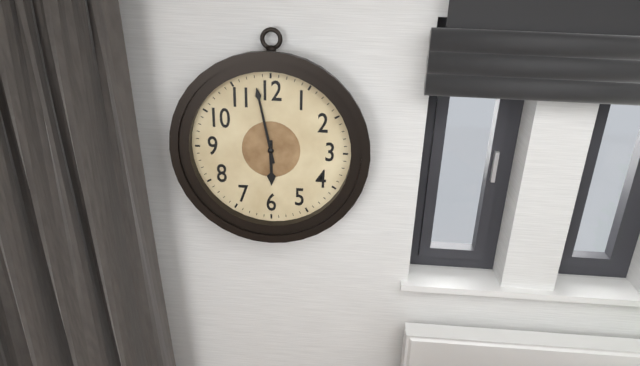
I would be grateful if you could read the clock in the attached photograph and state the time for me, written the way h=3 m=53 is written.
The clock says h=5 m=58
